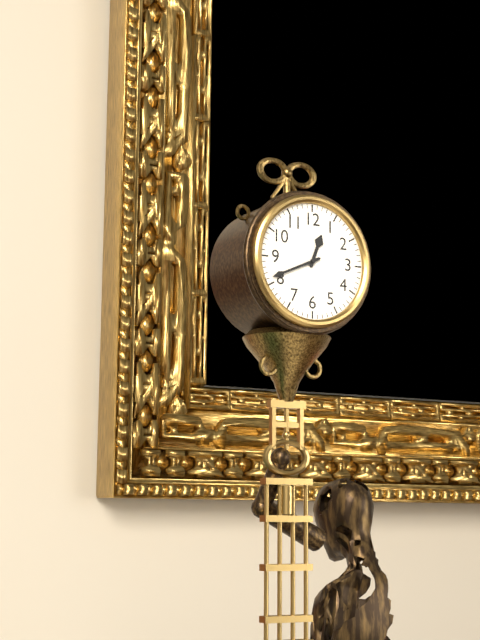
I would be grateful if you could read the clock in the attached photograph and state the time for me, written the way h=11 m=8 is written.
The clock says h=12 m=41
